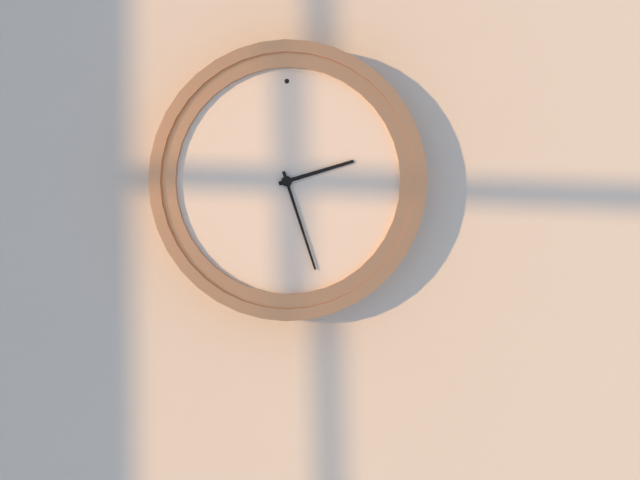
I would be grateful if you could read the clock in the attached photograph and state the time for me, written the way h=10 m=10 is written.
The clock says h=2 m=27
